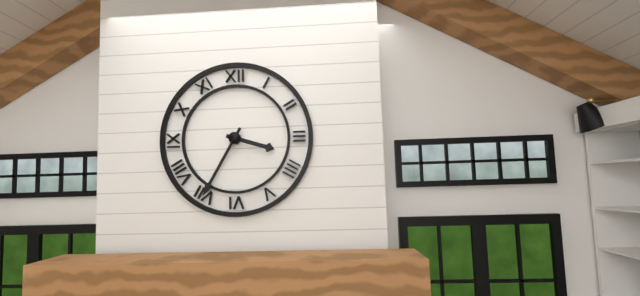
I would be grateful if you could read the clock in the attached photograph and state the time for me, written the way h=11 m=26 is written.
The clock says h=3 m=35
